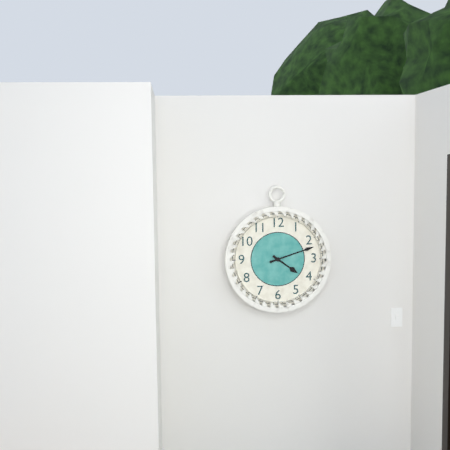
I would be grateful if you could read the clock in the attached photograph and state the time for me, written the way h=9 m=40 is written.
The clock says h=4 m=12
